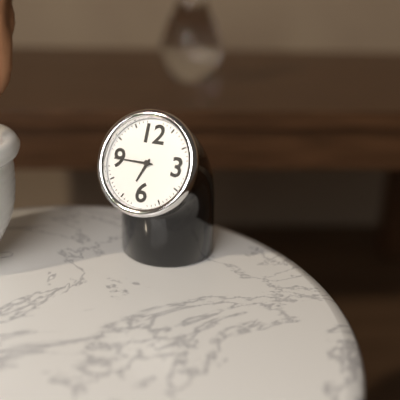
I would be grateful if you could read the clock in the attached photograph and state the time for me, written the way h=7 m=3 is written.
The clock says h=6 m=45
